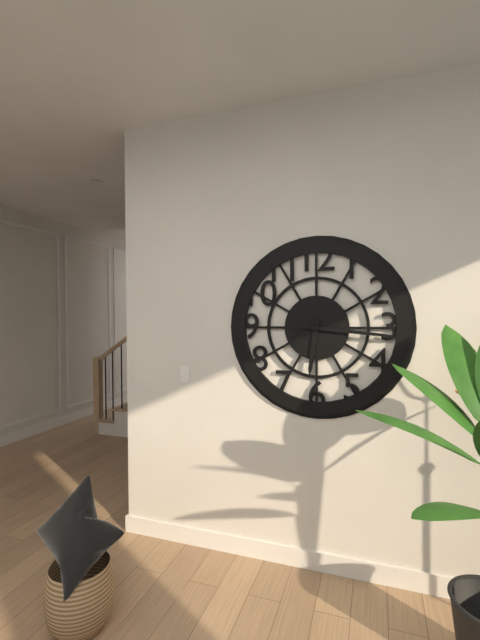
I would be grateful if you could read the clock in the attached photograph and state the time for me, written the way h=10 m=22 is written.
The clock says h=6 m=16
